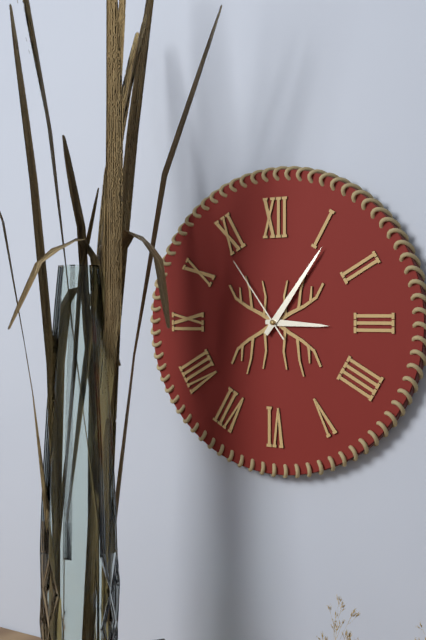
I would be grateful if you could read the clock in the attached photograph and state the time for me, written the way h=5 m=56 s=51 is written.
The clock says h=3 m=6 s=54
